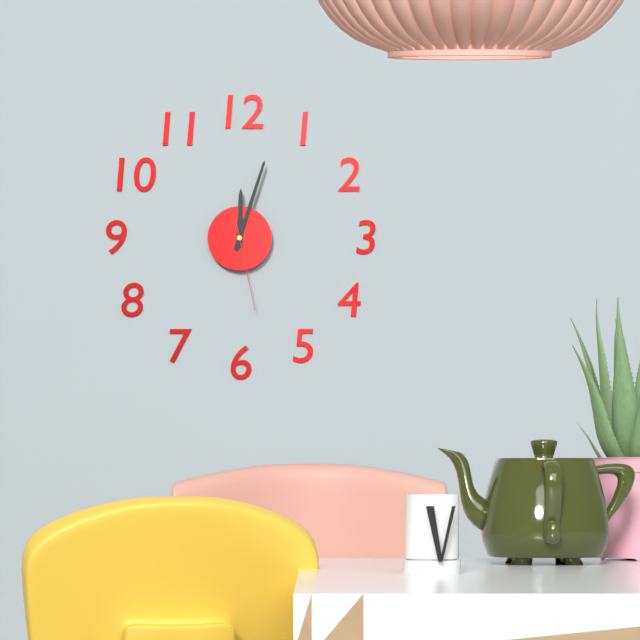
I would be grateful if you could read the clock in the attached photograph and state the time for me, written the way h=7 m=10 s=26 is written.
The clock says h=12 m=3 s=28
